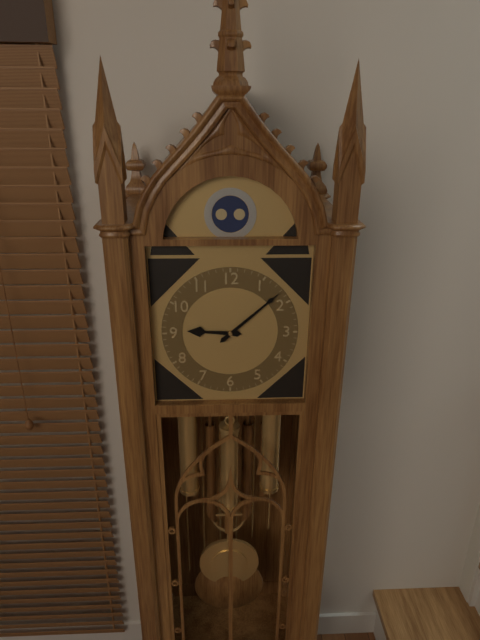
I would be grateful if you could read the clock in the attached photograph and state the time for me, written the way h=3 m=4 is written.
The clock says h=9 m=8
